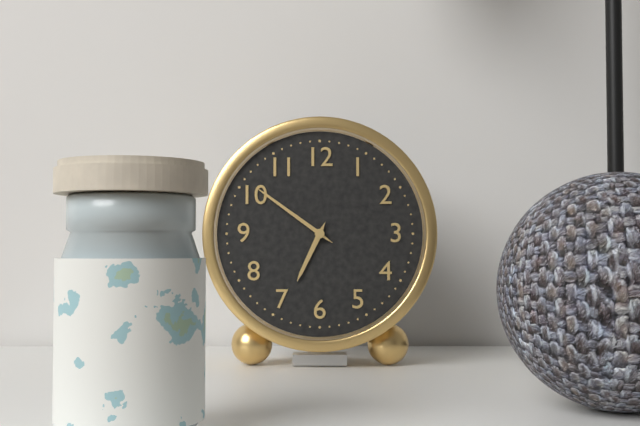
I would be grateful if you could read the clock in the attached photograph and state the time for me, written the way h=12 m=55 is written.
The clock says h=6 m=51
